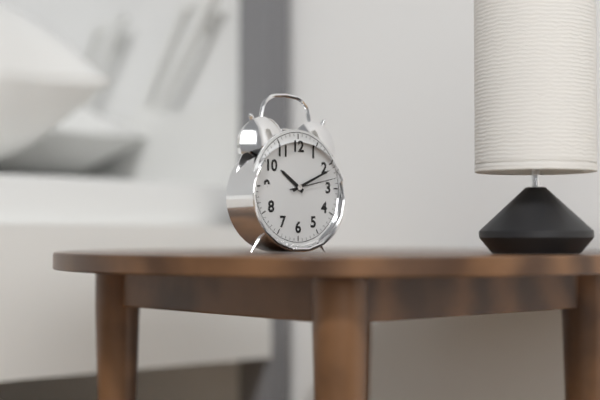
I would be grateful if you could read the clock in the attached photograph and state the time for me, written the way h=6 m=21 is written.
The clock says h=10 m=11
